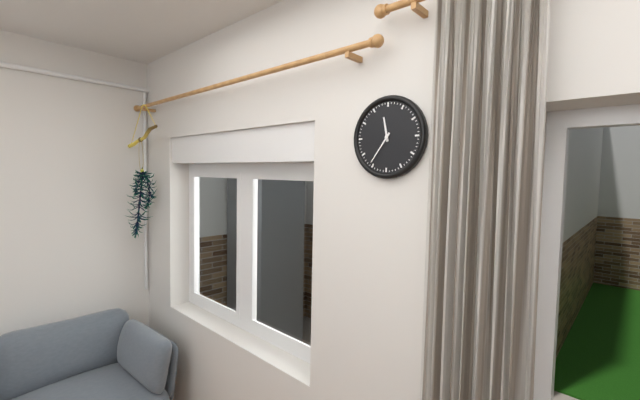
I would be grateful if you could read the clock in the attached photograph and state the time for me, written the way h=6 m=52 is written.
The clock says h=11 m=36
